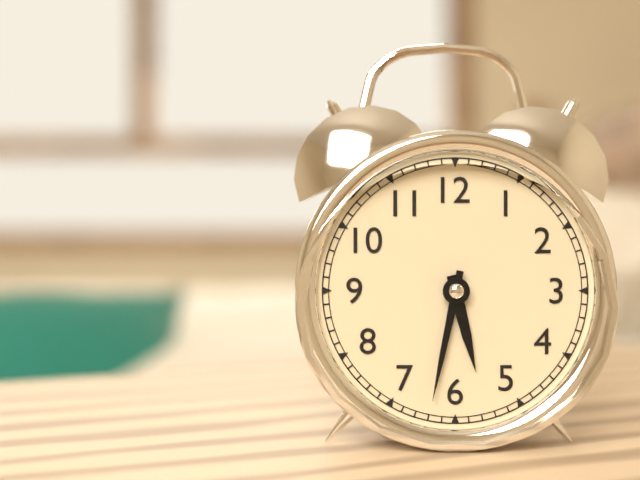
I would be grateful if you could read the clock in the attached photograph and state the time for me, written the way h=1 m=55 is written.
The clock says h=5 m=32
